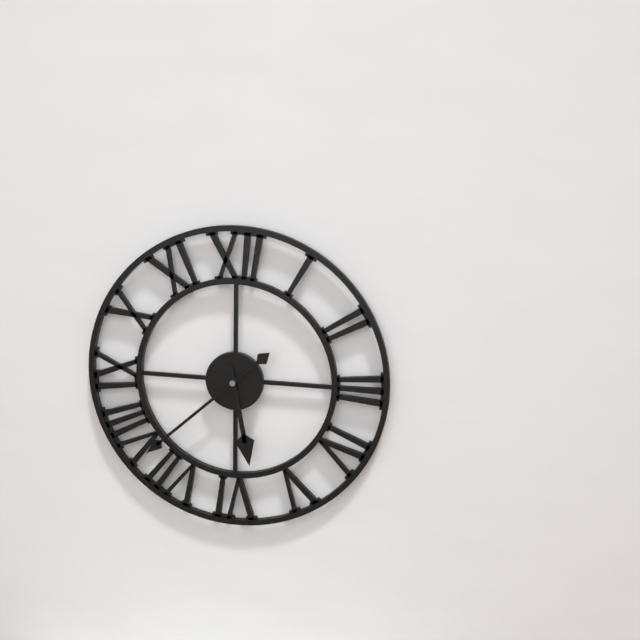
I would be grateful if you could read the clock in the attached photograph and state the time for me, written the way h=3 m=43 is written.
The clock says h=5 m=38
